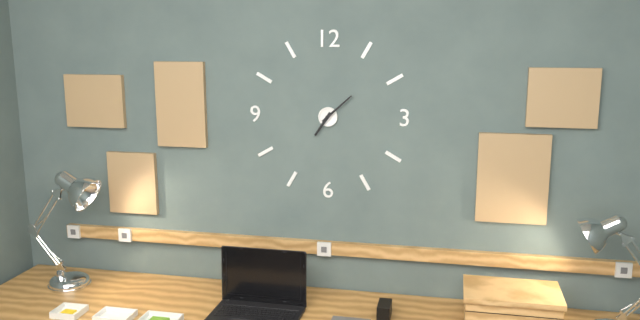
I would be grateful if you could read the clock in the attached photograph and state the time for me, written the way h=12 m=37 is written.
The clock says h=7 m=8
